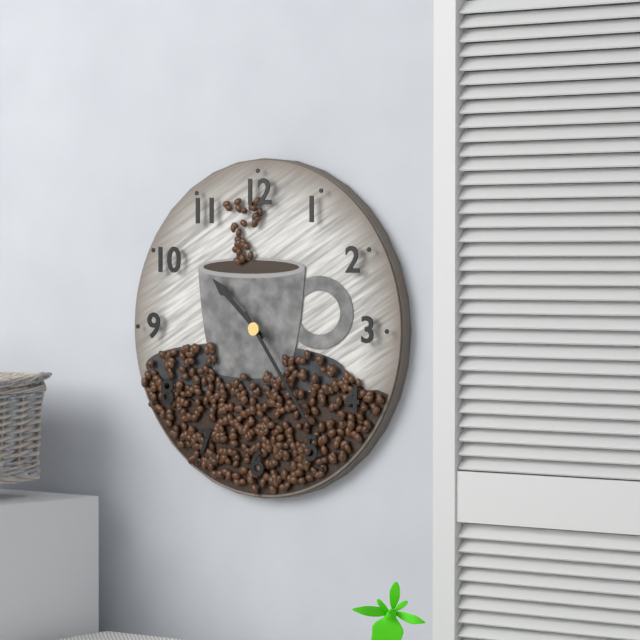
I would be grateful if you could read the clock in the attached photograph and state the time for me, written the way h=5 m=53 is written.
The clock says h=10 m=24
